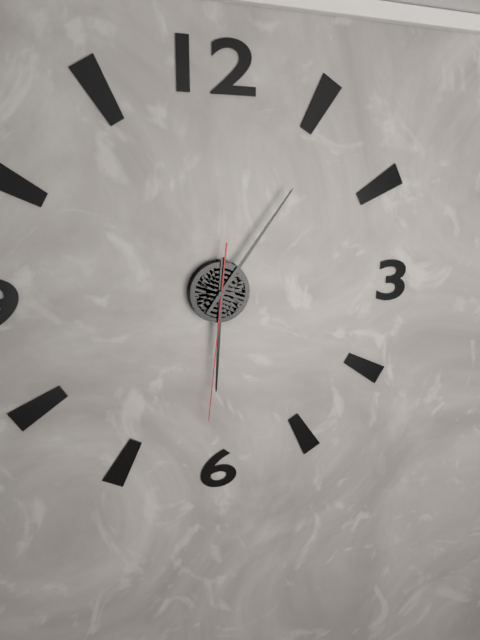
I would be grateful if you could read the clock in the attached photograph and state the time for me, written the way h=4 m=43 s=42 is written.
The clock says h=6 m=6 s=31
